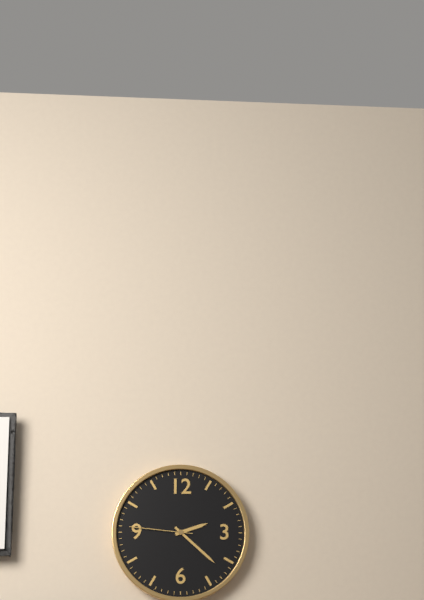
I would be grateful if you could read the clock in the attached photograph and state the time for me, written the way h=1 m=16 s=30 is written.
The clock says h=2 m=22 s=46
